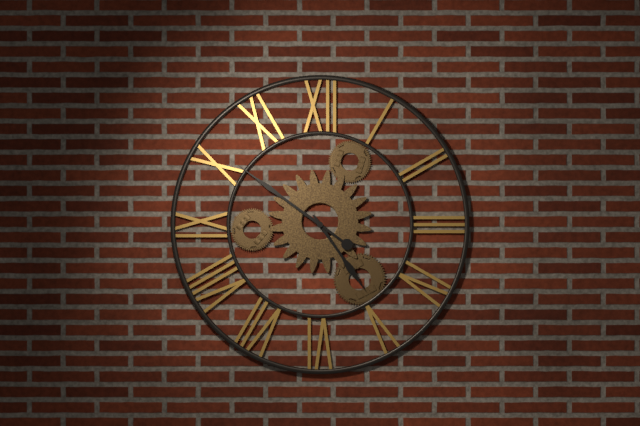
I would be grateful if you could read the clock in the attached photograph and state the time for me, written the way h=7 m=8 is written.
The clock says h=4 m=51
